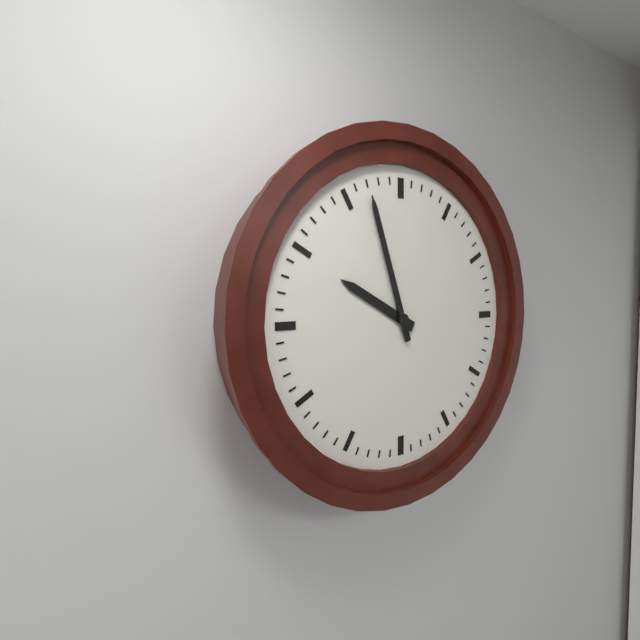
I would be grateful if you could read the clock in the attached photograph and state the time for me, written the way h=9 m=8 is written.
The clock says h=9 m=57
